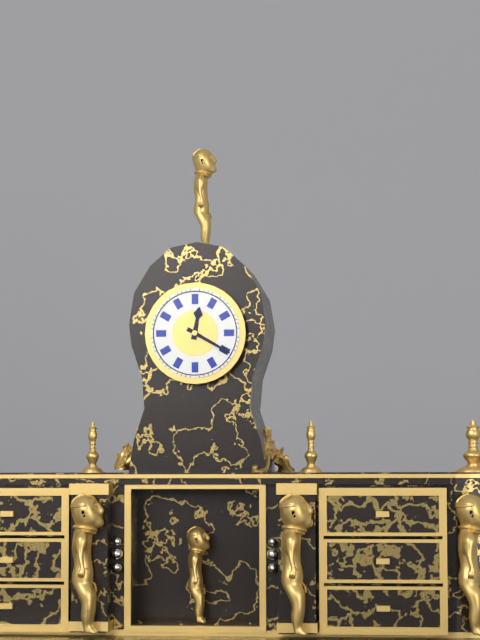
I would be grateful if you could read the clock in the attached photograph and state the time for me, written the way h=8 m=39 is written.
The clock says h=12 m=20
